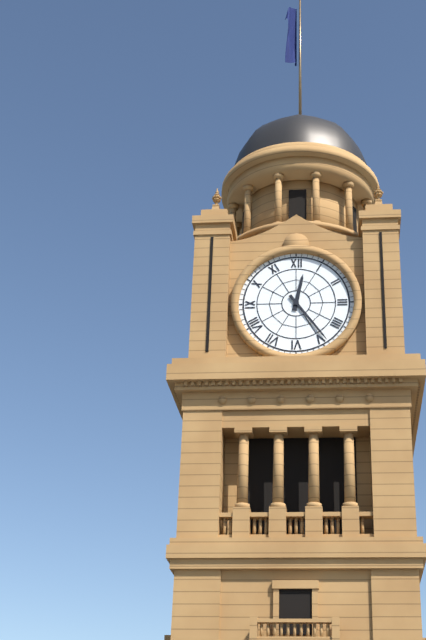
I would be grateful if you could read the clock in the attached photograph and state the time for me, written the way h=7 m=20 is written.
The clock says h=12 m=24
